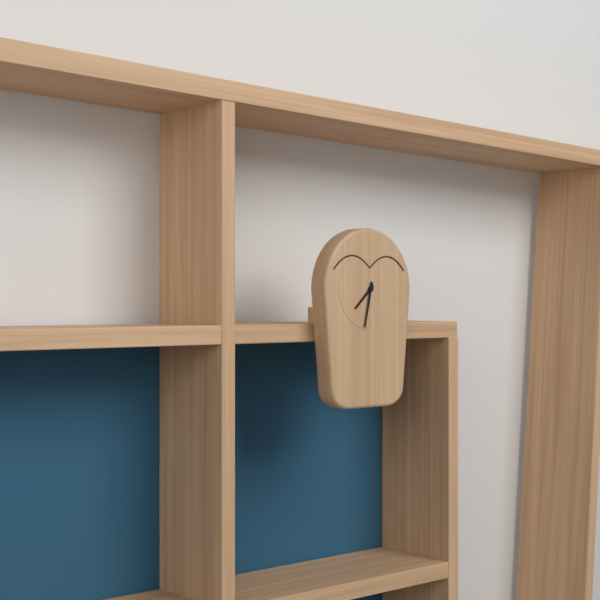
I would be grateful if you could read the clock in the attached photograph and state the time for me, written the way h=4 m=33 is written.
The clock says h=7 m=32
